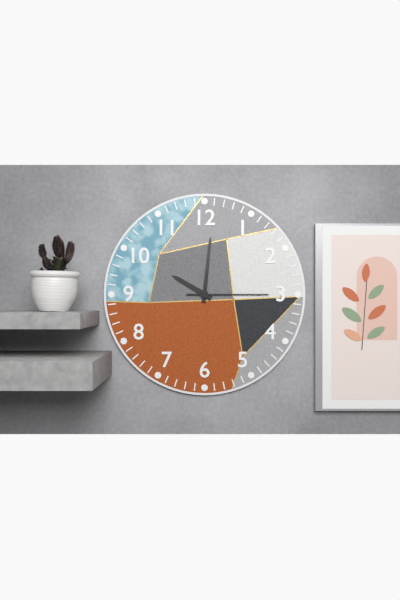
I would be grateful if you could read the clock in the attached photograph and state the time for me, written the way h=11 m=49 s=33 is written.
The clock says h=10 m=1 s=15
